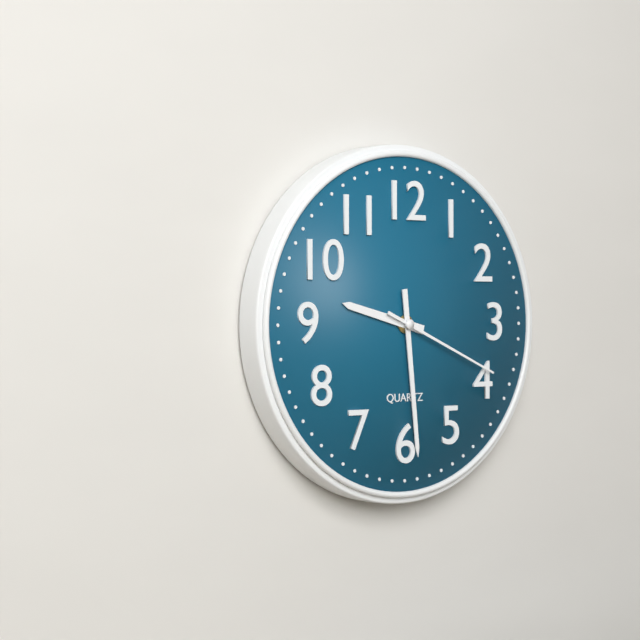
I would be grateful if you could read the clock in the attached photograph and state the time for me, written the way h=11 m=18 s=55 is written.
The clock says h=9 m=29 s=19
